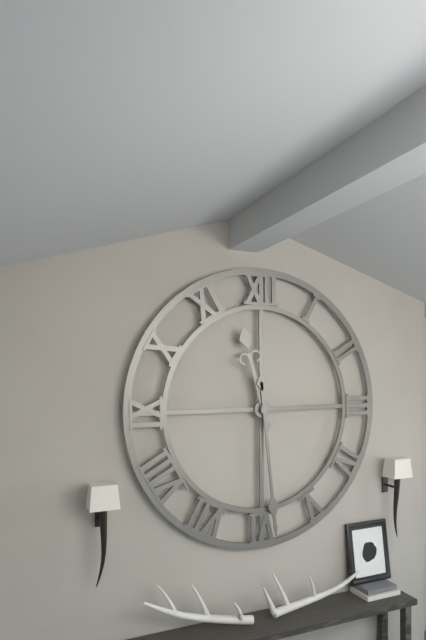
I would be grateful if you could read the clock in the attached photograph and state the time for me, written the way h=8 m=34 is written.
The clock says h=11 m=29
